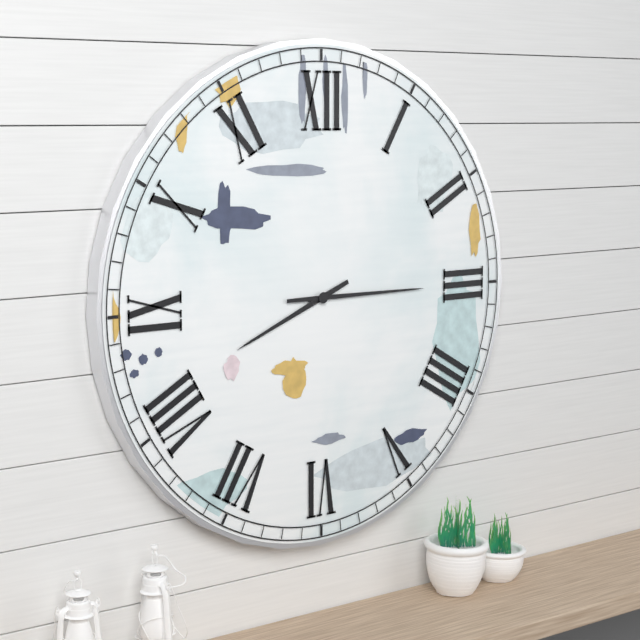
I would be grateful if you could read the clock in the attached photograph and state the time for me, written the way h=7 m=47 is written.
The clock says h=8 m=15
